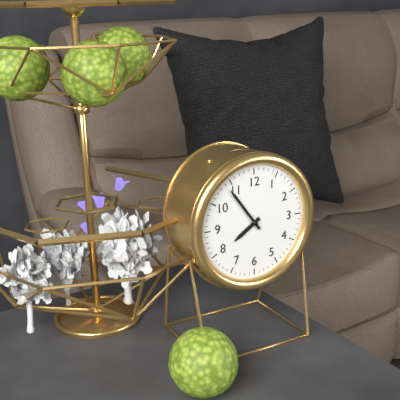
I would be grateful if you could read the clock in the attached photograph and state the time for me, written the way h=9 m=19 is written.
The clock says h=7 m=54
